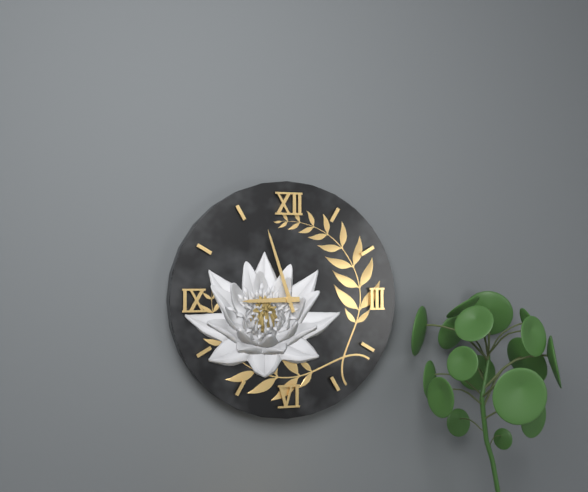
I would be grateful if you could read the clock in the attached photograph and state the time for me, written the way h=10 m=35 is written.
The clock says h=8 m=57
